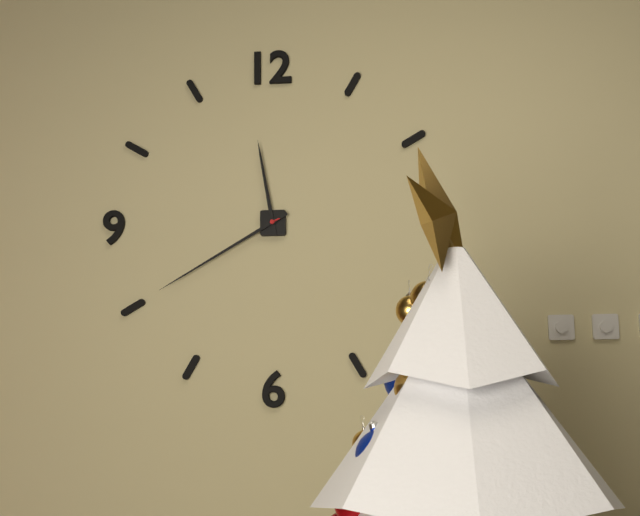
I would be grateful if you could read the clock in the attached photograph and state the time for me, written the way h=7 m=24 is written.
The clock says h=11 m=40
